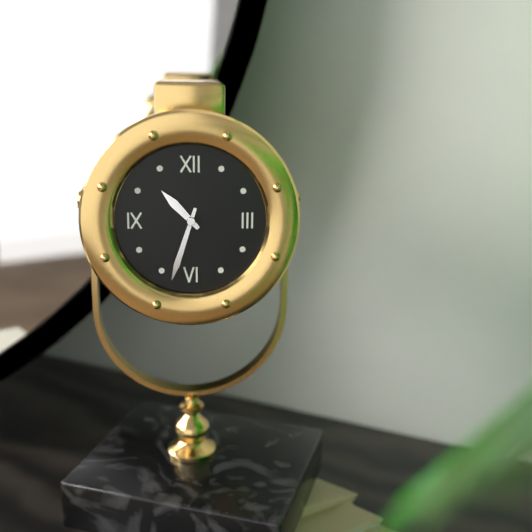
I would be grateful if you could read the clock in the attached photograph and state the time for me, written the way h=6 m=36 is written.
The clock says h=10 m=33
